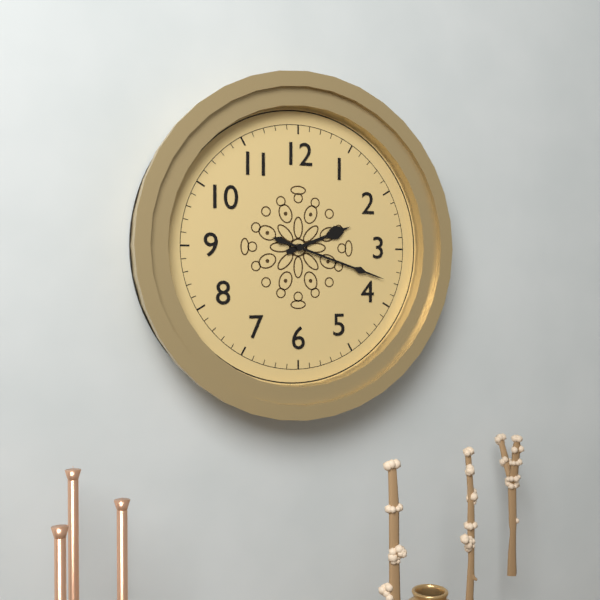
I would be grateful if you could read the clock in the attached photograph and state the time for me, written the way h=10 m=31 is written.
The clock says h=2 m=18
